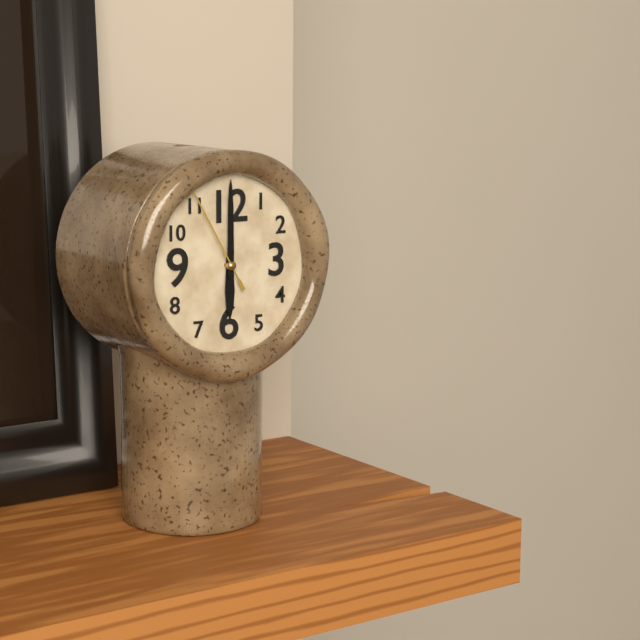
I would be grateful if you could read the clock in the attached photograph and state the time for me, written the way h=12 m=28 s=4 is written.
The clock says h=6 m=0 s=55
